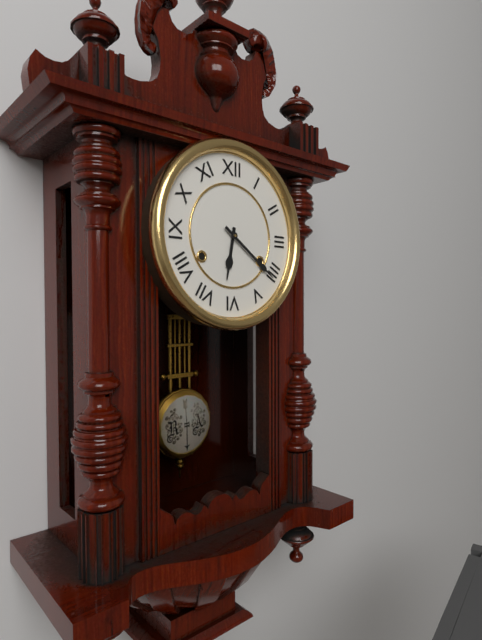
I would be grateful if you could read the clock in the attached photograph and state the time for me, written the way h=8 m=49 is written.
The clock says h=6 m=21
